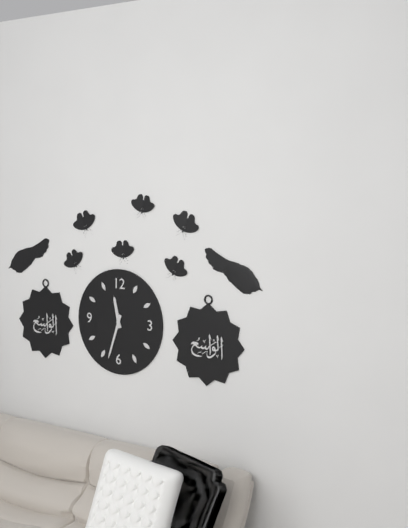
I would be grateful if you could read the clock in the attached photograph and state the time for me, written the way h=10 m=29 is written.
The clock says h=11 m=33
